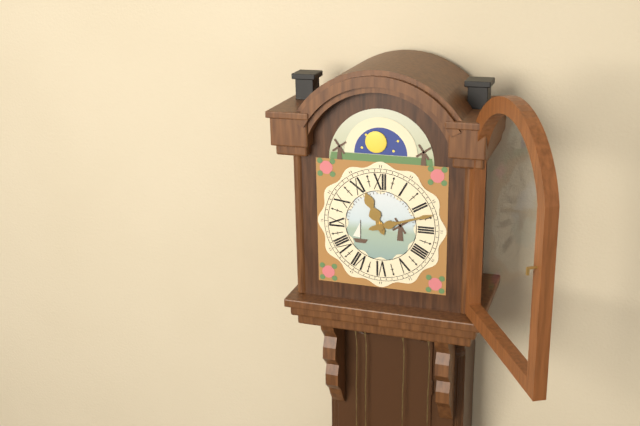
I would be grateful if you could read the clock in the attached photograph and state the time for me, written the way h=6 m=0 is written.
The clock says h=11 m=12
